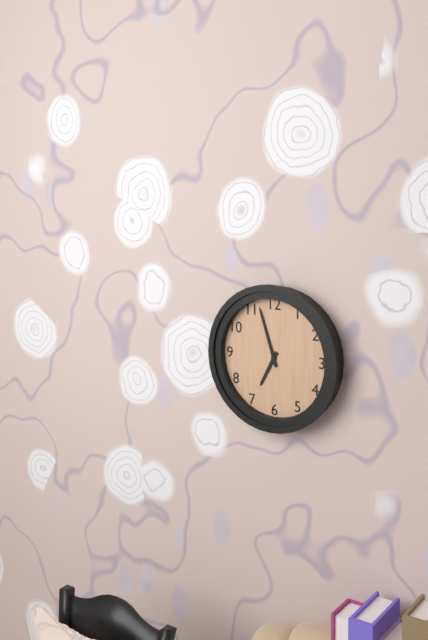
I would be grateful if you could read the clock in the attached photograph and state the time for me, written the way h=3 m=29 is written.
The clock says h=6 m=57
